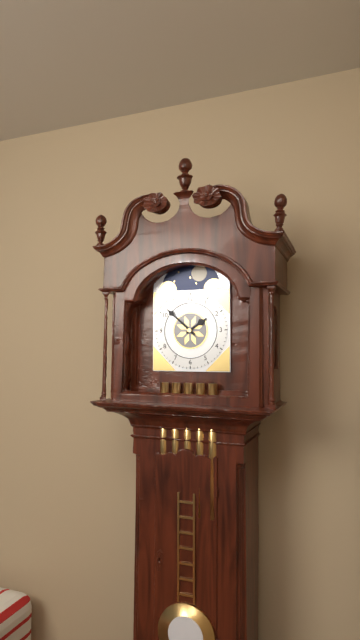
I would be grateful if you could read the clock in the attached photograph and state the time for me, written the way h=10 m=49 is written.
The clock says h=1 m=52
